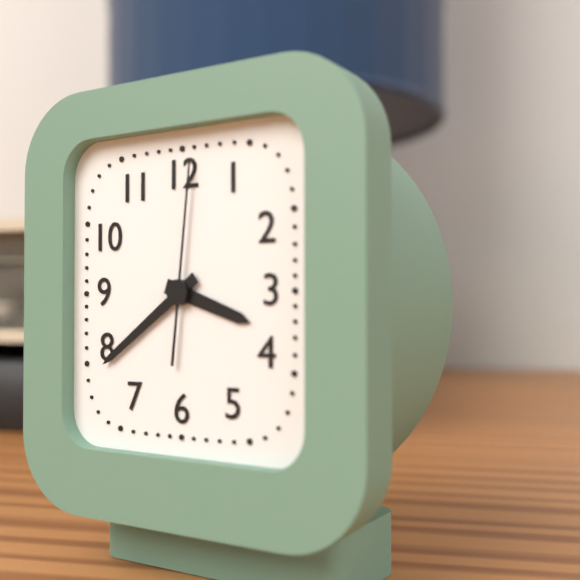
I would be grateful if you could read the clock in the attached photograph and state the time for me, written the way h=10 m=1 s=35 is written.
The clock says h=3 m=39 s=1
